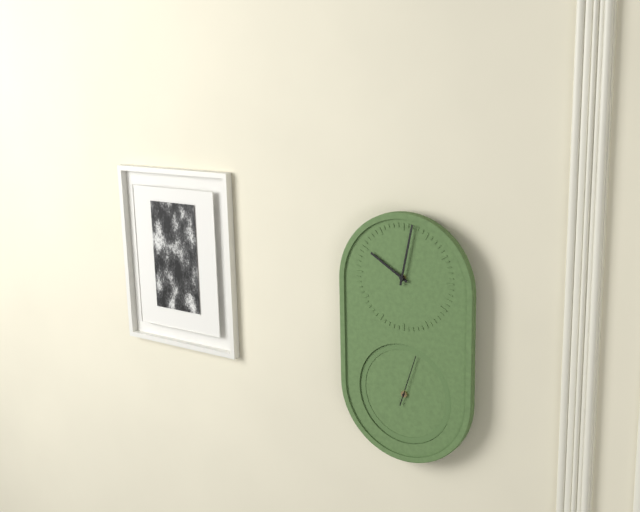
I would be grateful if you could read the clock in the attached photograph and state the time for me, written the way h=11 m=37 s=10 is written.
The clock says h=10 m=2 s=3
